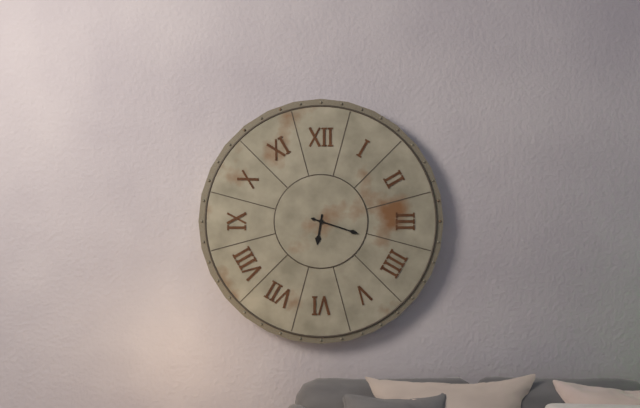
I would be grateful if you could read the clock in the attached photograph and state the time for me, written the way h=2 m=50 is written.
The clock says h=6 m=18
